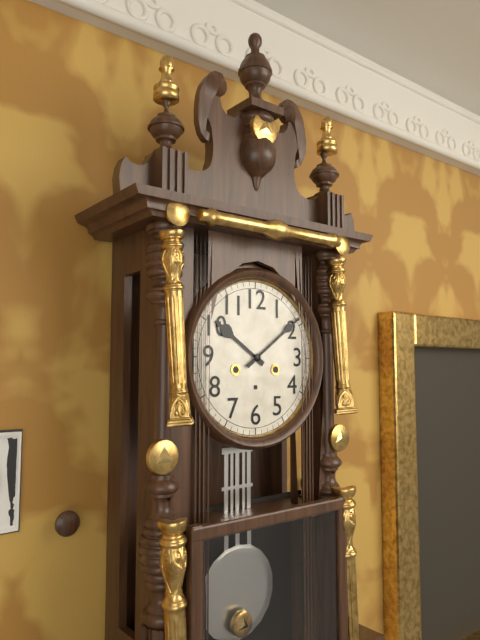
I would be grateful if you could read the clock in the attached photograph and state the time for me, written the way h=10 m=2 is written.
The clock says h=10 m=9
